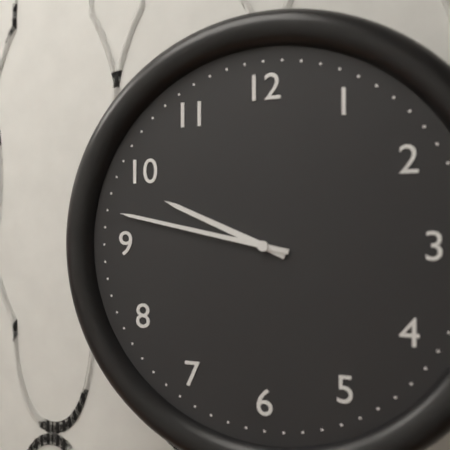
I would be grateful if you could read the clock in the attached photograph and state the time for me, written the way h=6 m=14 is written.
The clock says h=9 m=47
